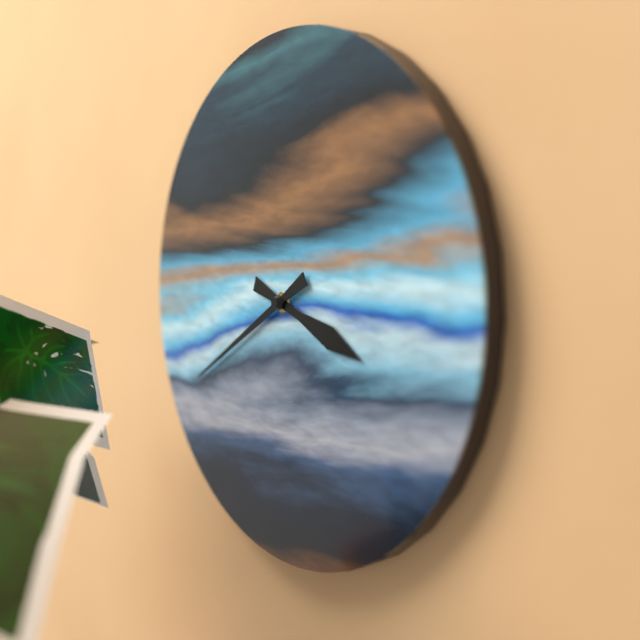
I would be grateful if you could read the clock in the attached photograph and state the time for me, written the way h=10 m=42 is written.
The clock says h=3 m=40
